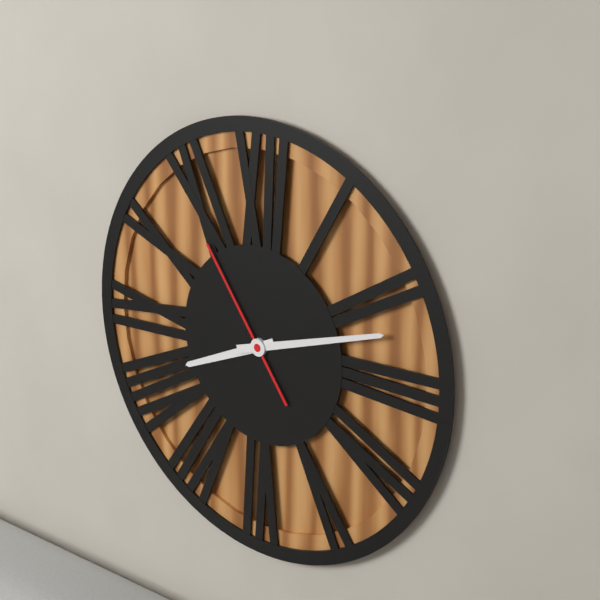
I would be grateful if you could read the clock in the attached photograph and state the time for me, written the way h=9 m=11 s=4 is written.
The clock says h=8 m=12 s=54
